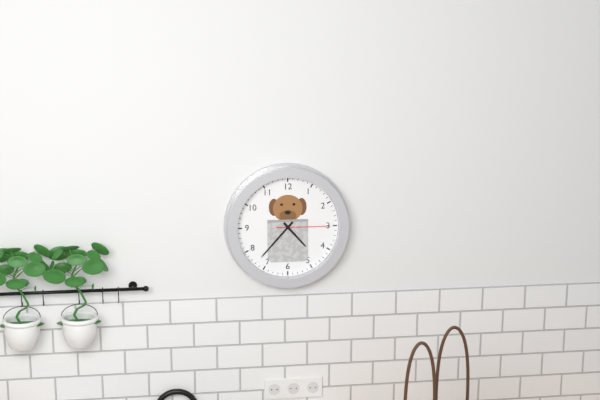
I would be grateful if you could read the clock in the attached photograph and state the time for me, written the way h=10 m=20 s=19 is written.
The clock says h=4 m=37 s=15
